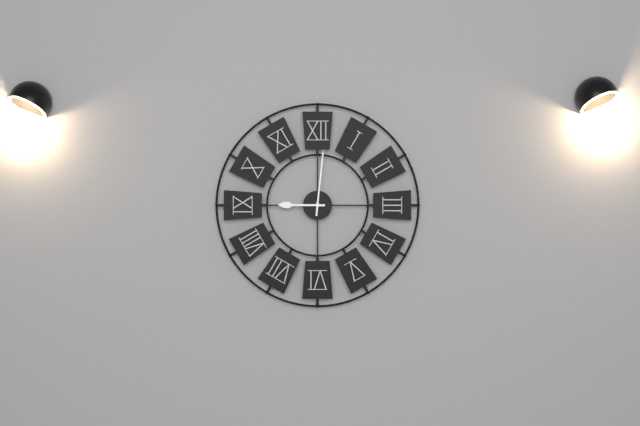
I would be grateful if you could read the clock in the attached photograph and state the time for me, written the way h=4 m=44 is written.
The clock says h=9 m=1
